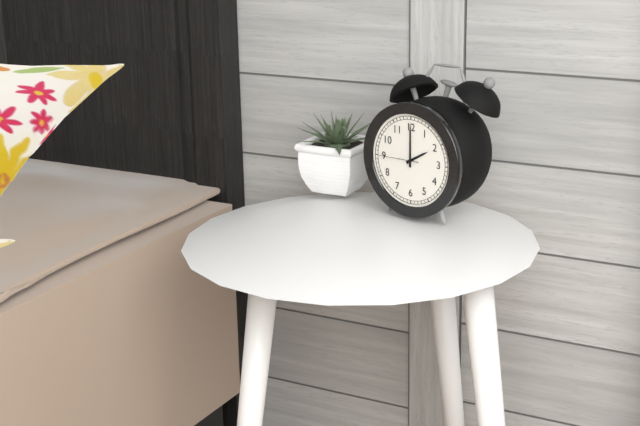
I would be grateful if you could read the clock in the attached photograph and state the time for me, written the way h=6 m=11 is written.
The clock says h=2 m=0
